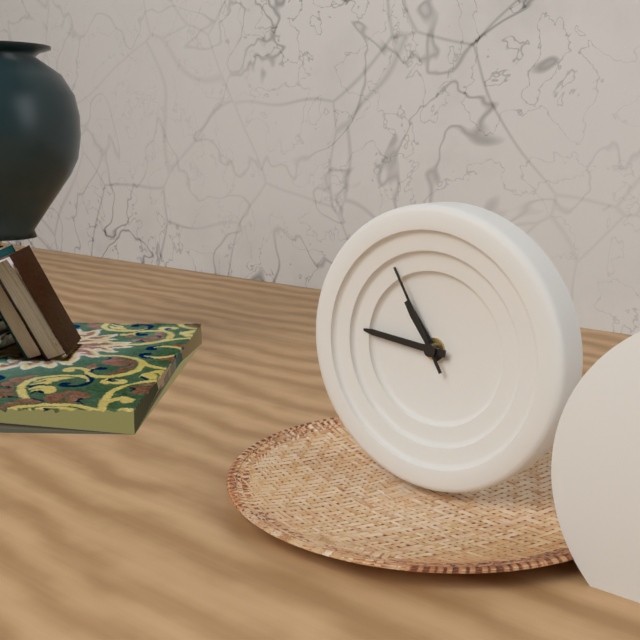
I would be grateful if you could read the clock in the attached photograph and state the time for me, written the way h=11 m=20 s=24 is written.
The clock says h=10 m=46 s=55
